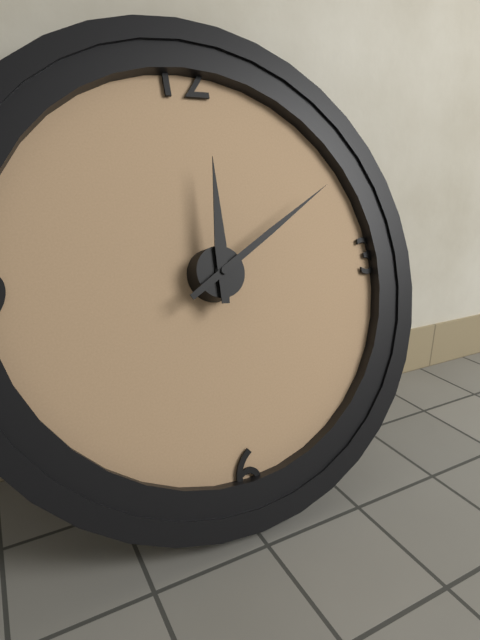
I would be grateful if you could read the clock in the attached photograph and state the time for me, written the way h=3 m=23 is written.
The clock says h=12 m=10
